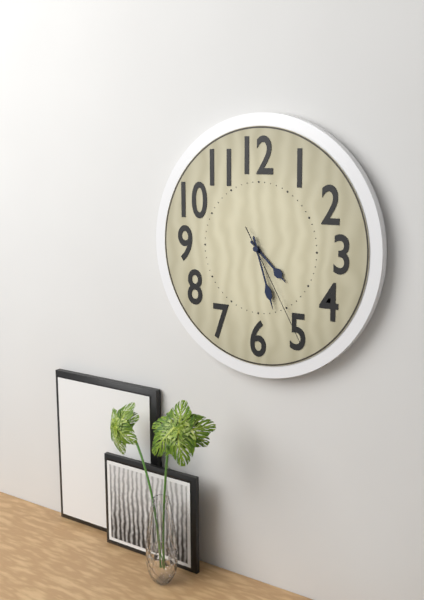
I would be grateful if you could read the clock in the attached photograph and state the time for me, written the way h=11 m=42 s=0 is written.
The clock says h=4 m=27 s=25
